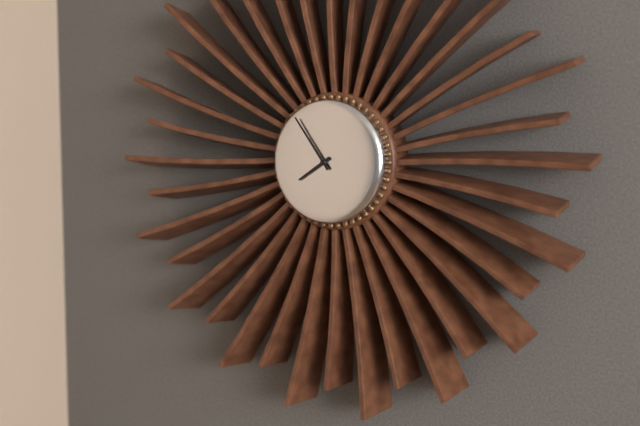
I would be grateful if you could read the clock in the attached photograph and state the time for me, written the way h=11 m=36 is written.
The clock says h=7 m=54
